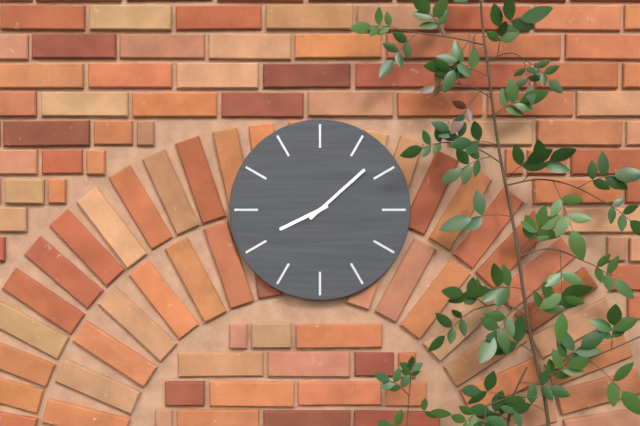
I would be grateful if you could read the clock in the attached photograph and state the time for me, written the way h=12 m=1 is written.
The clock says h=8 m=8
